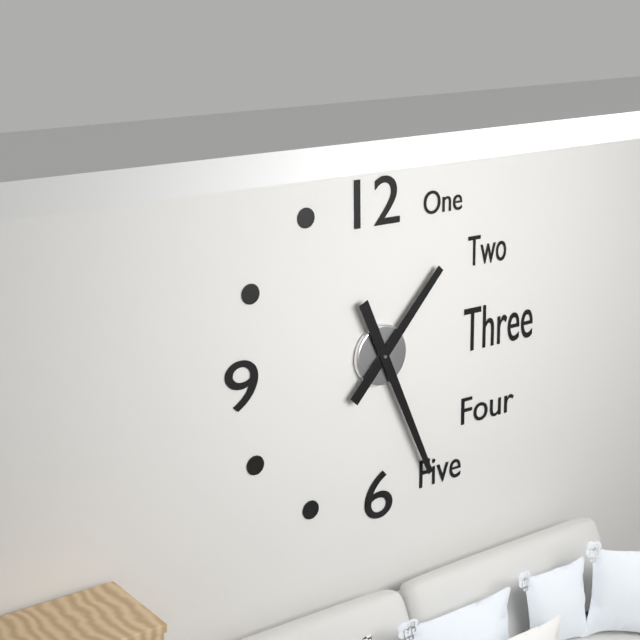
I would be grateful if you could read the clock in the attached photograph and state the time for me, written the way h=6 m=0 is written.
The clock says h=1 m=26
